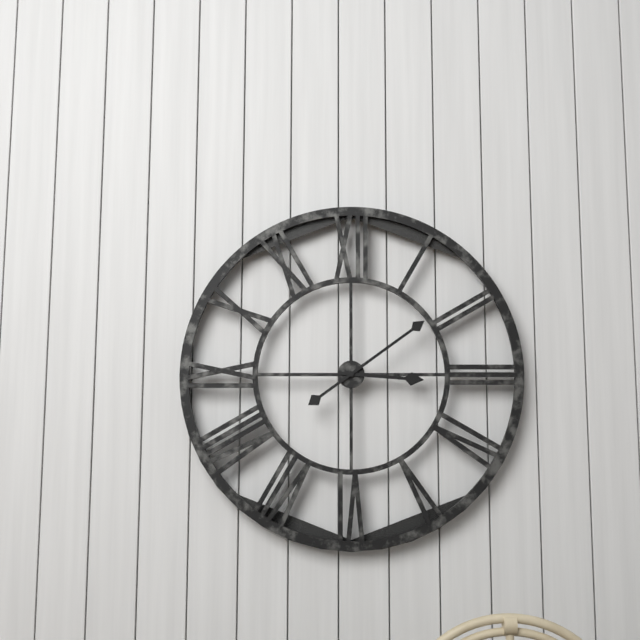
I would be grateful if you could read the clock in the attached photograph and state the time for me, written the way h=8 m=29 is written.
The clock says h=3 m=9
